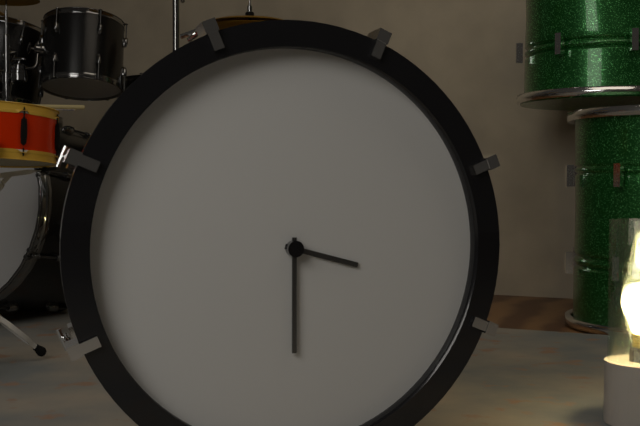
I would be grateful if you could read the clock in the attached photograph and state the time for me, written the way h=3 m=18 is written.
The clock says h=3 m=30
